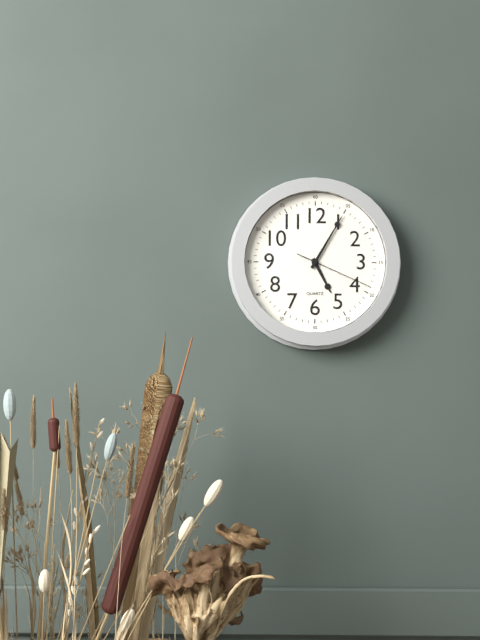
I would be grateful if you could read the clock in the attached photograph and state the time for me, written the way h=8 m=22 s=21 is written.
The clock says h=5 m=5 s=19
